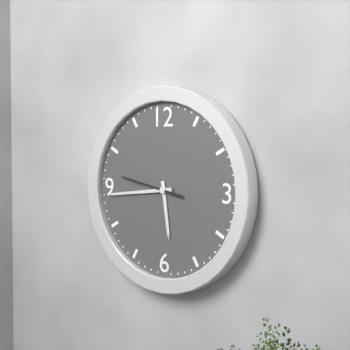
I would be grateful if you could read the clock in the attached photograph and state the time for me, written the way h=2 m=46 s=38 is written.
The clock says h=5 m=44 s=47
